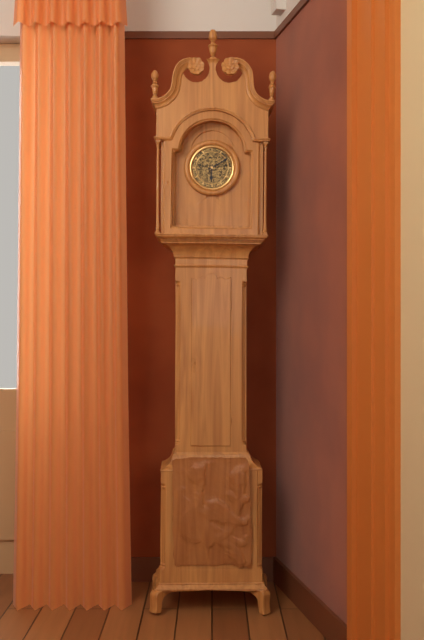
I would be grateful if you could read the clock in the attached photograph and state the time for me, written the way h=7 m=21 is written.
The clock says h=6 m=10
